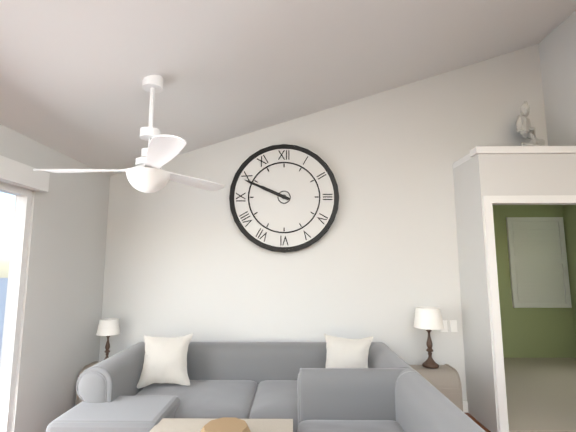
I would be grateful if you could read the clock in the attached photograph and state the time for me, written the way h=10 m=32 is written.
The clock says h=9 m=49
